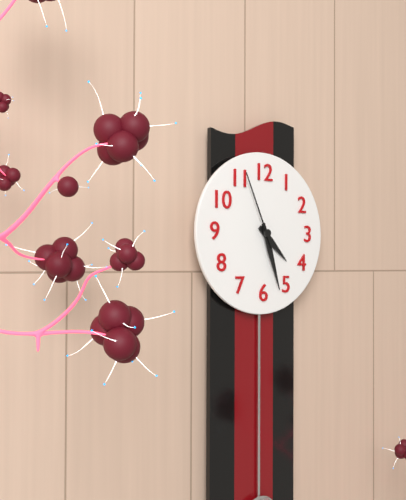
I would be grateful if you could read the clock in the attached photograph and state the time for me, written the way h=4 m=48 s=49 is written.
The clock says h=4 m=27 s=56
